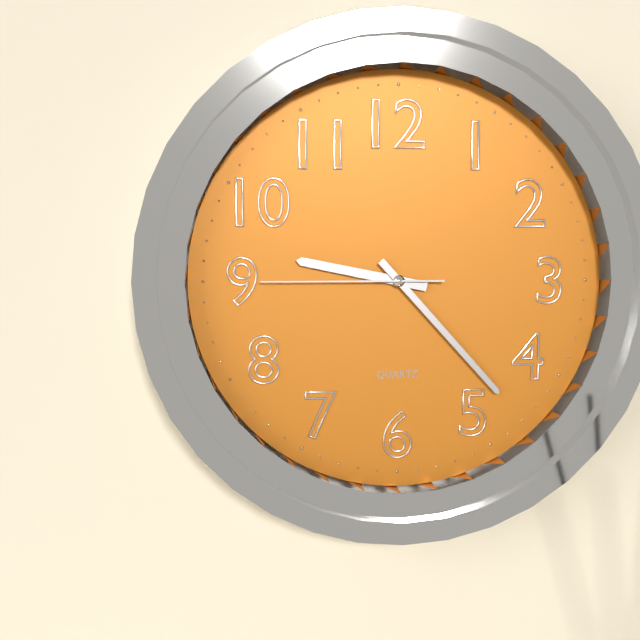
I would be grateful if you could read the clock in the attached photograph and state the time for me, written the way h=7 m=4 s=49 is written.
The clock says h=9 m=23 s=45
